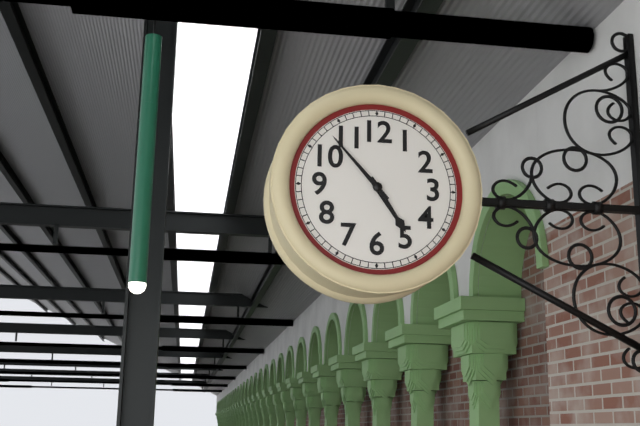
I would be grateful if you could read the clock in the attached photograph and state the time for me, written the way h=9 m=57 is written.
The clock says h=4 m=53
